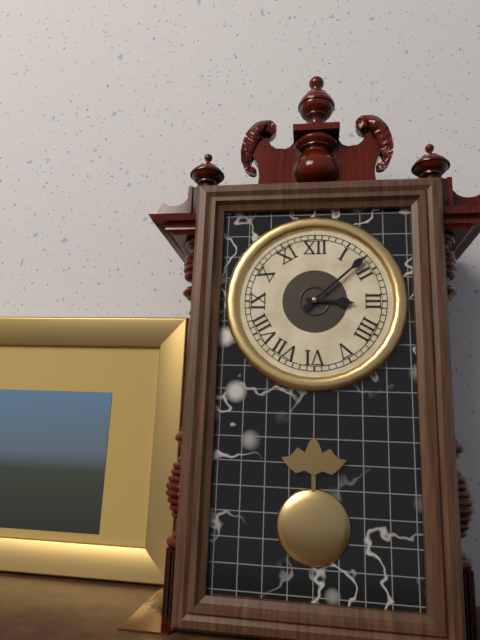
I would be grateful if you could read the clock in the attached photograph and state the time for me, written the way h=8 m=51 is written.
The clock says h=3 m=8
